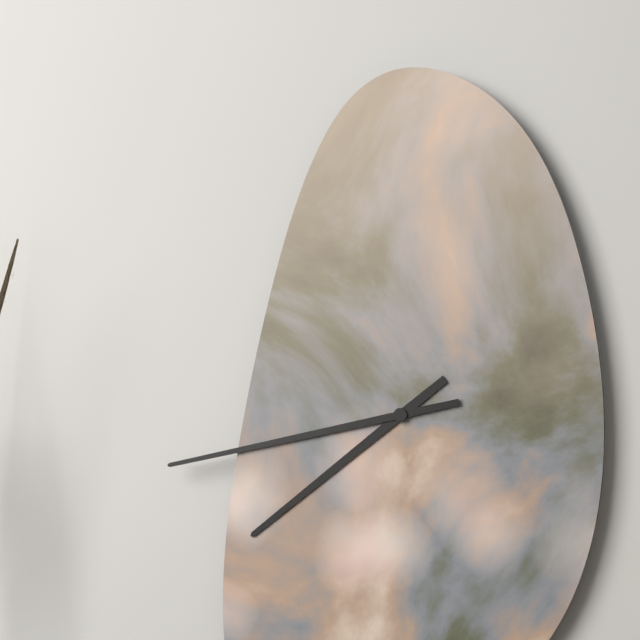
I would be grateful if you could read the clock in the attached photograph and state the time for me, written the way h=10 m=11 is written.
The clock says h=7 m=43
